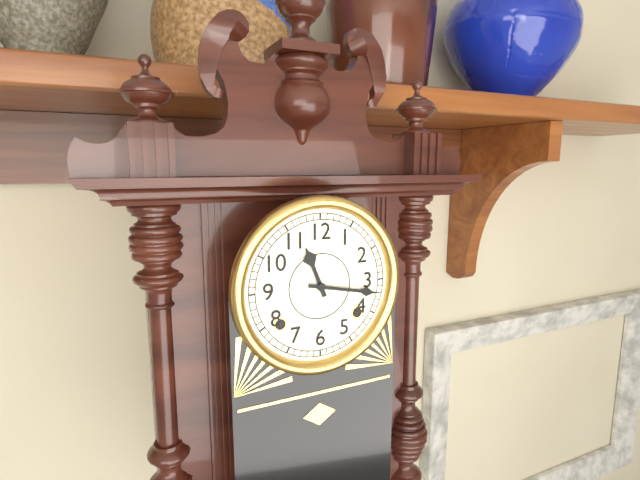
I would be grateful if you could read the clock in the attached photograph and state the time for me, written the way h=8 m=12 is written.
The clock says h=11 m=17
